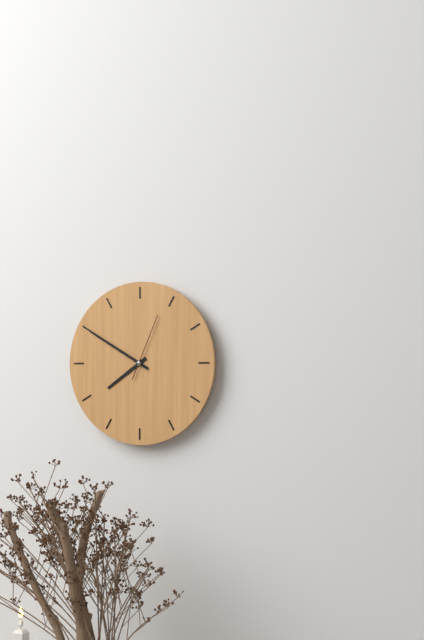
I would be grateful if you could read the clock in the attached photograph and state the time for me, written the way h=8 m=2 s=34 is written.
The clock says h=7 m=50 s=4
